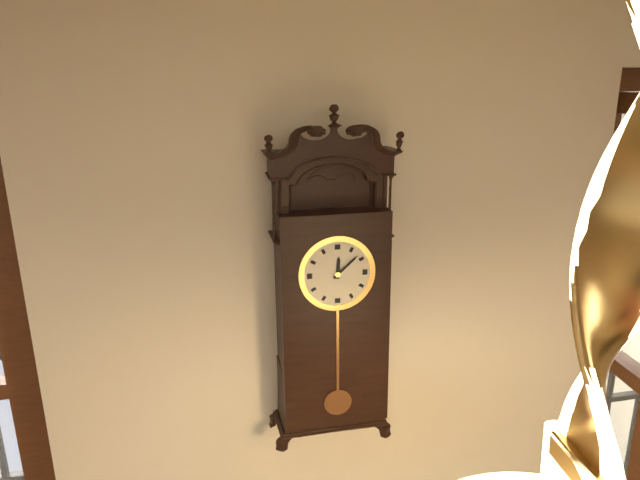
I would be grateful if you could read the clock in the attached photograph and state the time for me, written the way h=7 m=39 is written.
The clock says h=12 m=8
